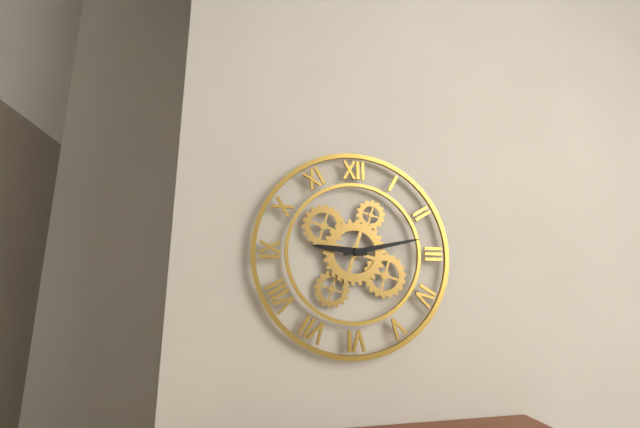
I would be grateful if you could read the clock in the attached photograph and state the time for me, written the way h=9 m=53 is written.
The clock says h=9 m=13
